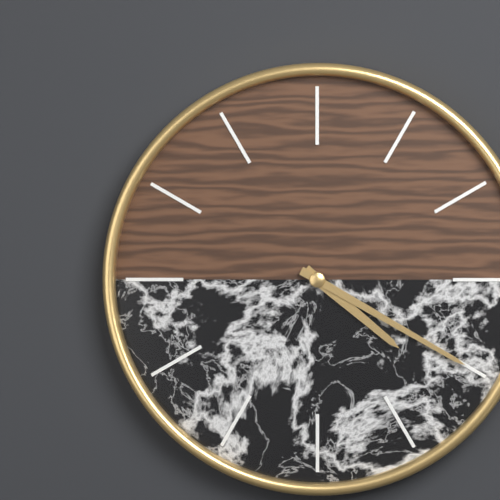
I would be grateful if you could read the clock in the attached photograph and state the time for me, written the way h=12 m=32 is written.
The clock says h=4 m=20
